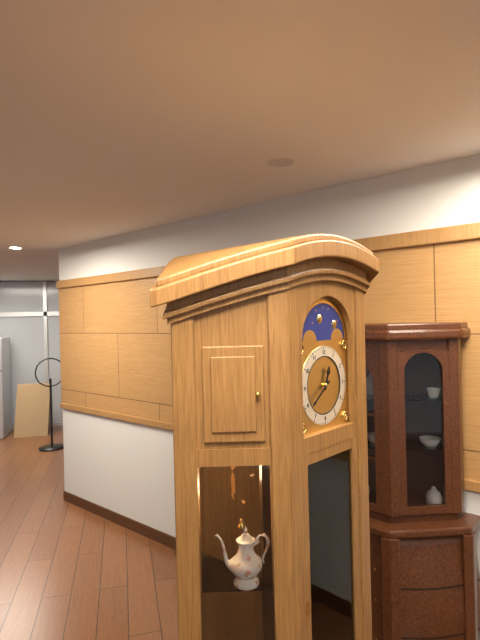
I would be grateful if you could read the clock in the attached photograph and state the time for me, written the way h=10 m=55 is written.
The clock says h=12 m=39
